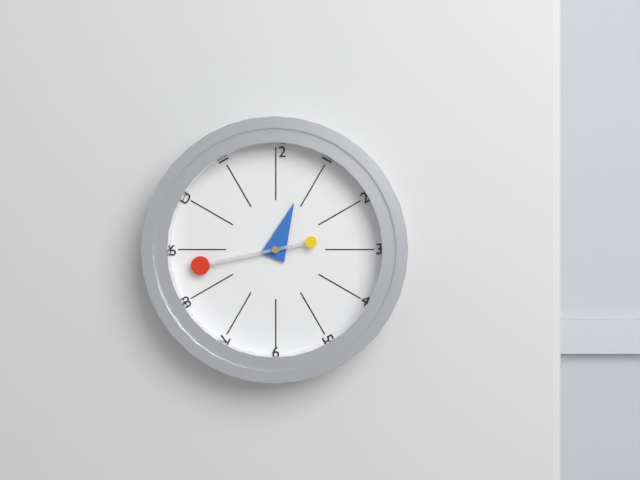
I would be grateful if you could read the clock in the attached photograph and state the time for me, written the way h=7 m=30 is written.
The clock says h=12 m=43
